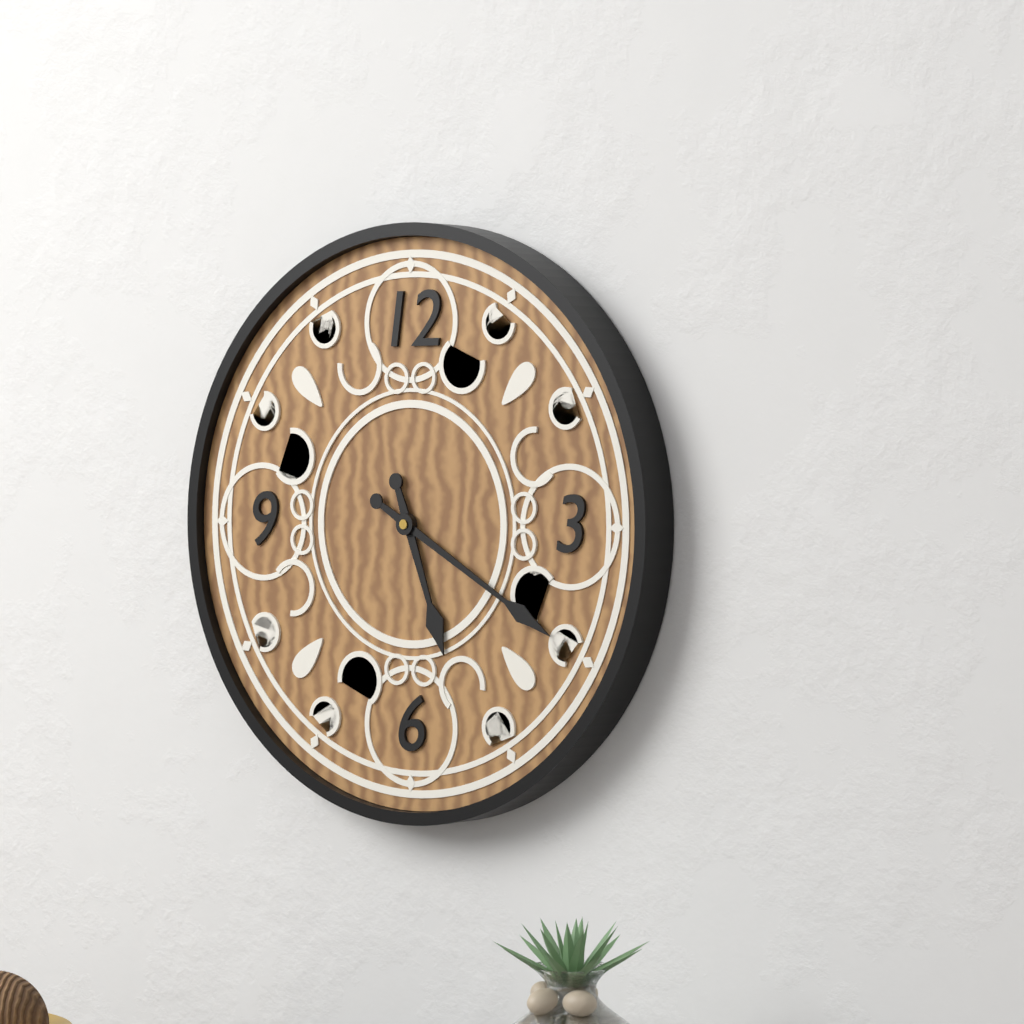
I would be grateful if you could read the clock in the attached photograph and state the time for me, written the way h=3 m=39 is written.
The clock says h=5 m=20
